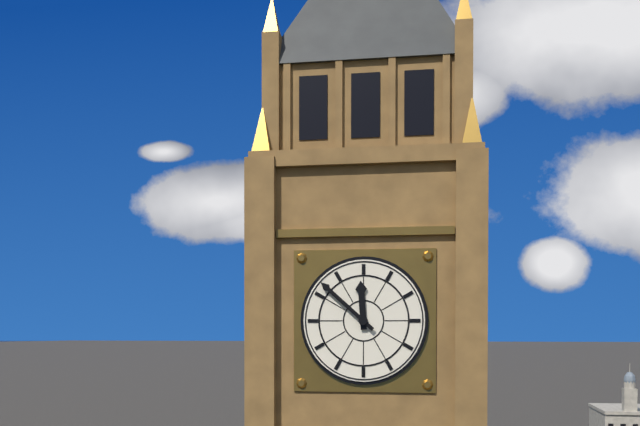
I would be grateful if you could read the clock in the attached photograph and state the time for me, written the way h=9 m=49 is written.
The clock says h=11 m=52
